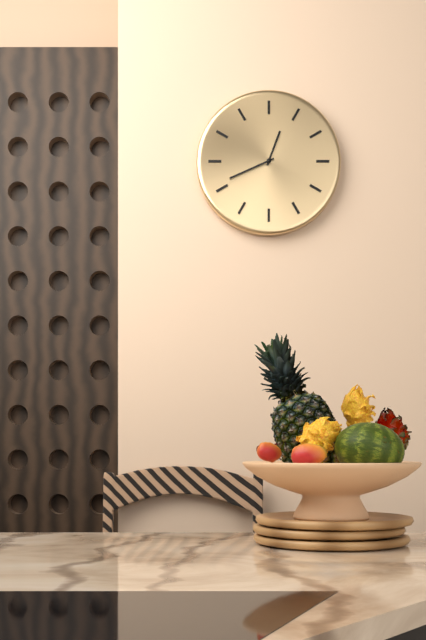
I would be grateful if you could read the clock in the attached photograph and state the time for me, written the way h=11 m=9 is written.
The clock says h=12 m=41
